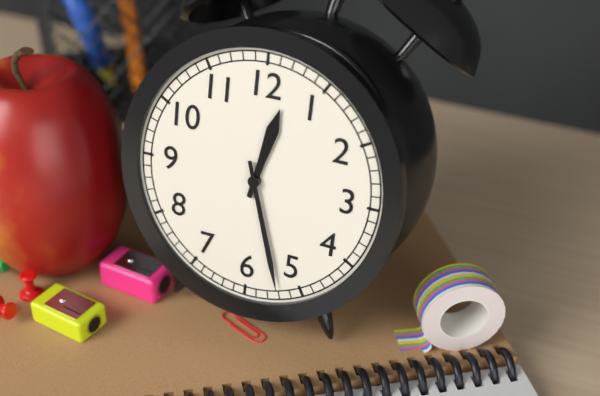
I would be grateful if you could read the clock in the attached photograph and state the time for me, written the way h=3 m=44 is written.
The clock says h=12 m=27
